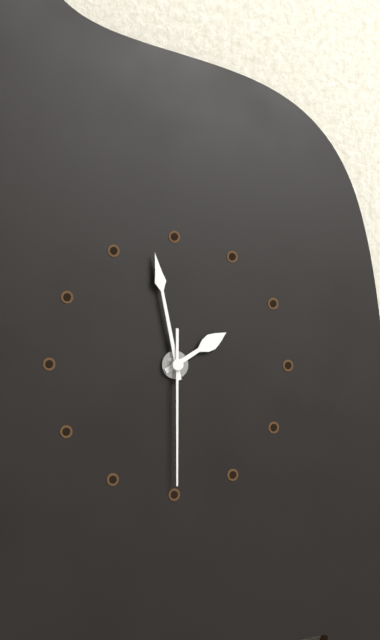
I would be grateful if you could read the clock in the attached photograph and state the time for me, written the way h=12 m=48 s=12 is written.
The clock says h=1 m=58 s=30
